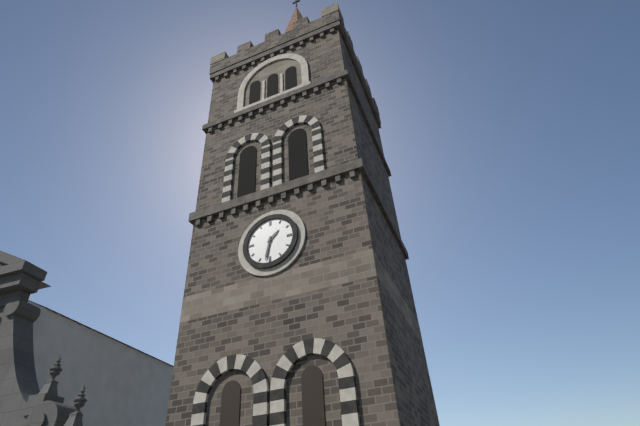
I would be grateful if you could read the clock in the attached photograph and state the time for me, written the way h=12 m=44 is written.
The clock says h=1 m=32
